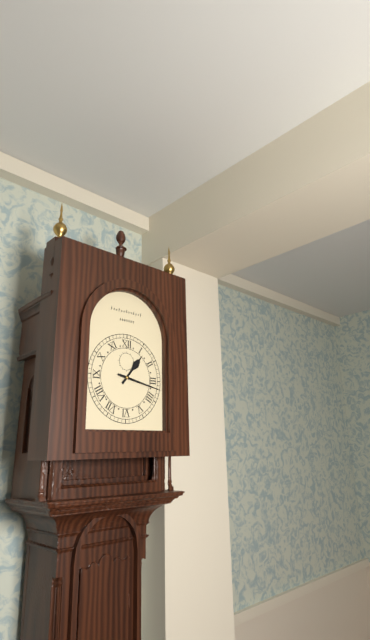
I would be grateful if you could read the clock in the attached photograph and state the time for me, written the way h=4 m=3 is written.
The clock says h=1 m=17
